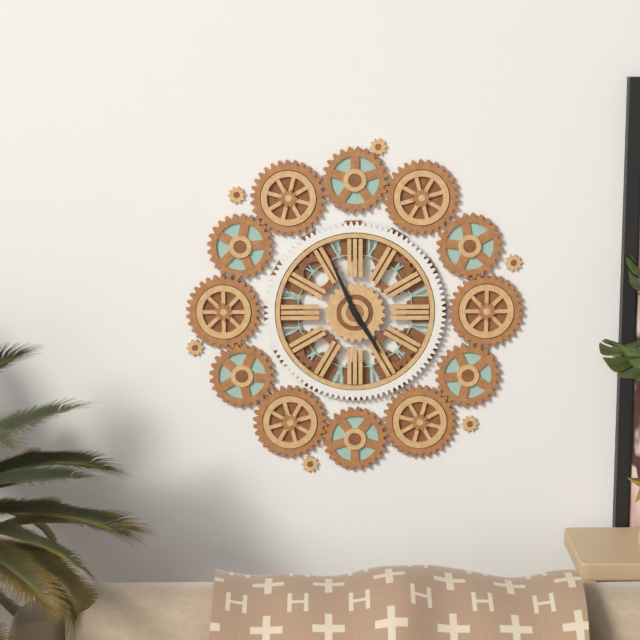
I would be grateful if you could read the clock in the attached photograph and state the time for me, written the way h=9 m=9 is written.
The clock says h=4 m=56
